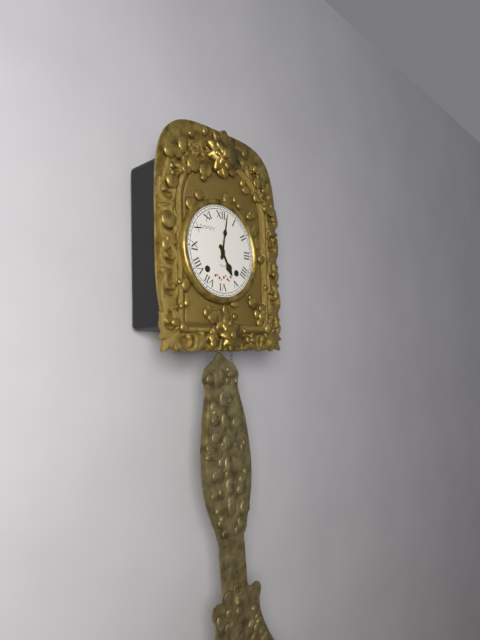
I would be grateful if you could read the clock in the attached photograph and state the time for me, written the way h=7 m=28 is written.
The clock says h=5 m=2
